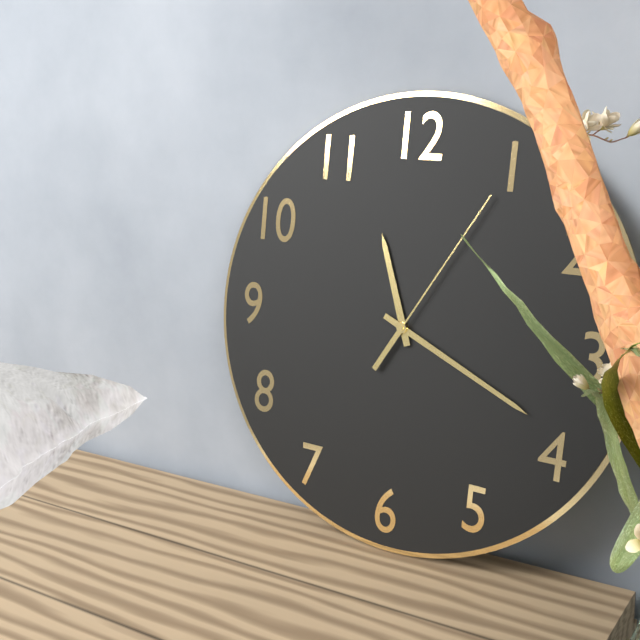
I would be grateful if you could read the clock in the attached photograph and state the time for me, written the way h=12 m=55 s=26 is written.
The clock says h=11 m=19 s=5
